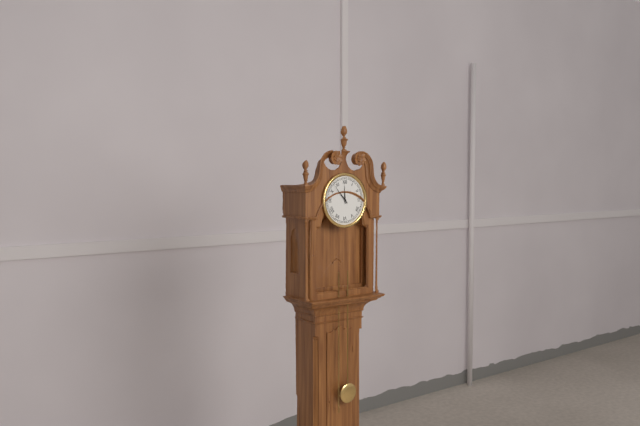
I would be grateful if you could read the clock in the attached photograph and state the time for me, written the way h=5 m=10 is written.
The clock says h=11 m=53
